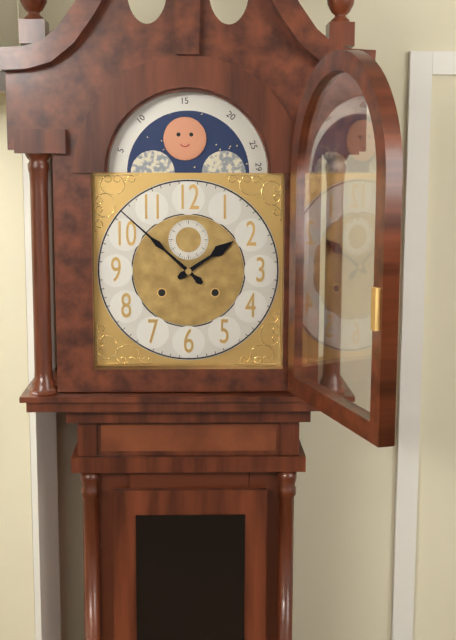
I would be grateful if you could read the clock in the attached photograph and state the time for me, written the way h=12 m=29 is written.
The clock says h=1 m=52
